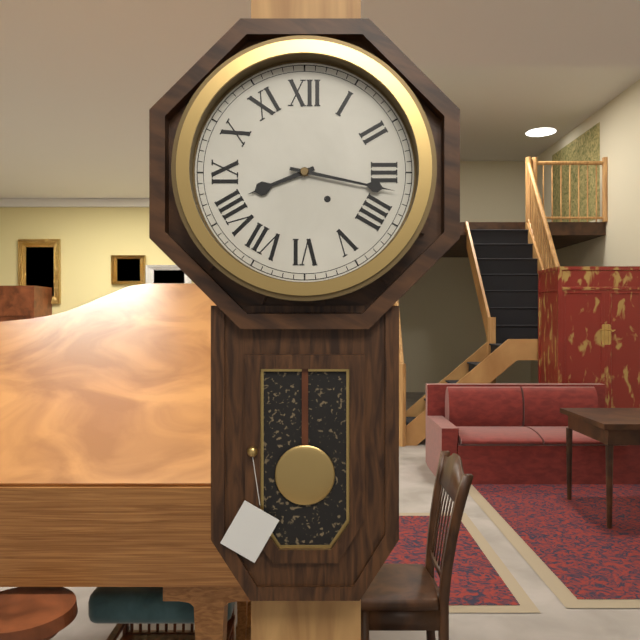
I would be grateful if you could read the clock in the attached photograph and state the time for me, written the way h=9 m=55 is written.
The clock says h=8 m=17
